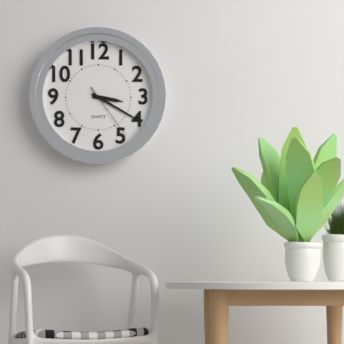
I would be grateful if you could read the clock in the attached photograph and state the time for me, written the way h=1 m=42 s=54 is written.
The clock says h=3 m=20 s=24
